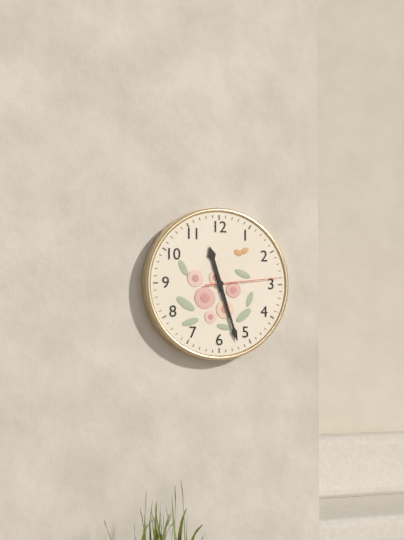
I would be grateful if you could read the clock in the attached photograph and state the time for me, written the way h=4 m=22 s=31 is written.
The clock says h=11 m=27 s=14
